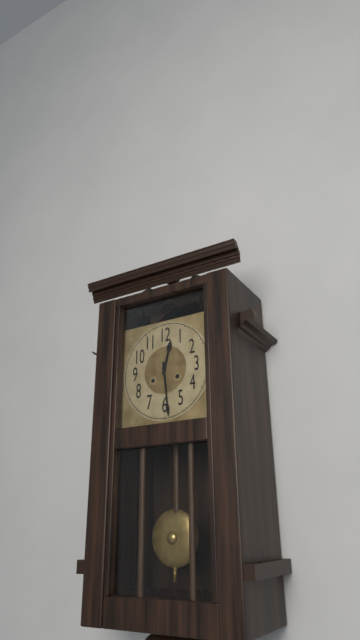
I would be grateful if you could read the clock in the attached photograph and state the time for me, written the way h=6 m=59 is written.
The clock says h=12 m=29
